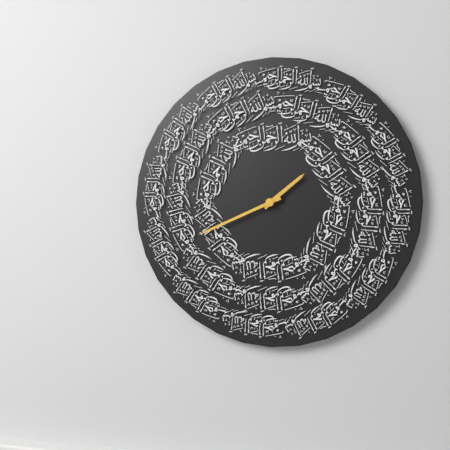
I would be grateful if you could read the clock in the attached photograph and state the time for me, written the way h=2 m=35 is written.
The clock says h=1 m=41
